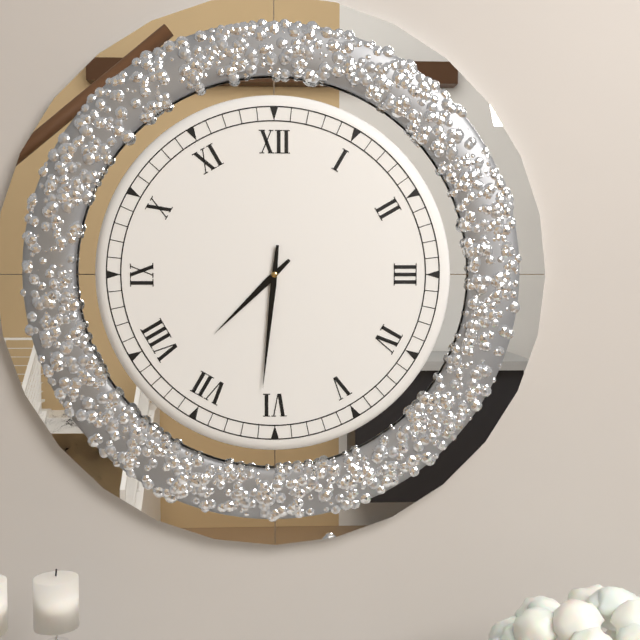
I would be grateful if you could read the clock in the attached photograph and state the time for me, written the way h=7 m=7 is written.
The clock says h=7 m=31
